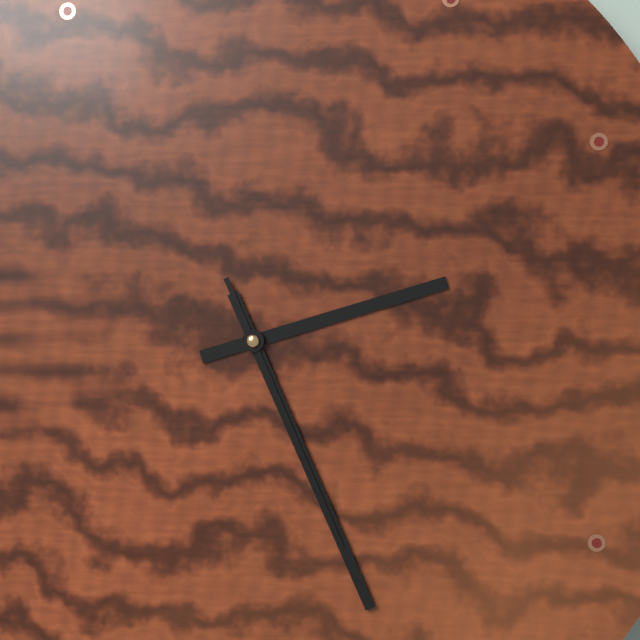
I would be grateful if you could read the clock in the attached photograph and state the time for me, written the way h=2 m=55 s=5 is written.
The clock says h=2 m=26 s=26
